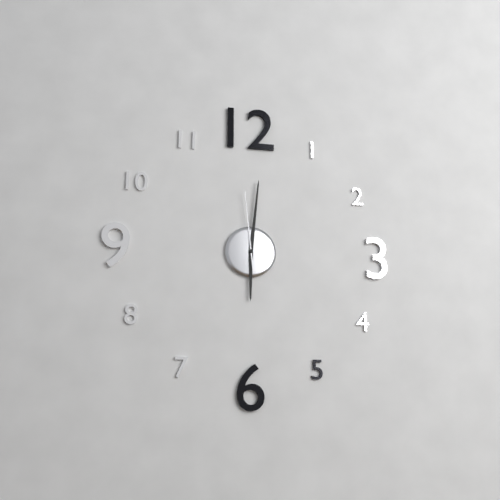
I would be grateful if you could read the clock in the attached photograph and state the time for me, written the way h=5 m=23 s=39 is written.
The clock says h=6 m=1 s=59
